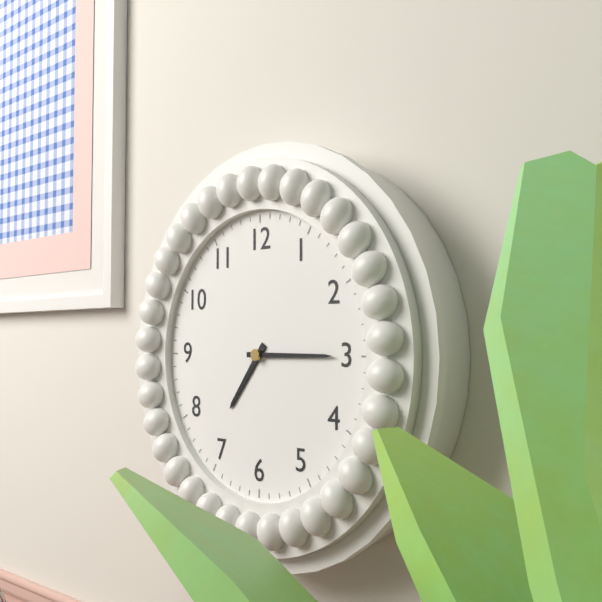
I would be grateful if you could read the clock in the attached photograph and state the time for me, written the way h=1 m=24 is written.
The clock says h=7 m=15
